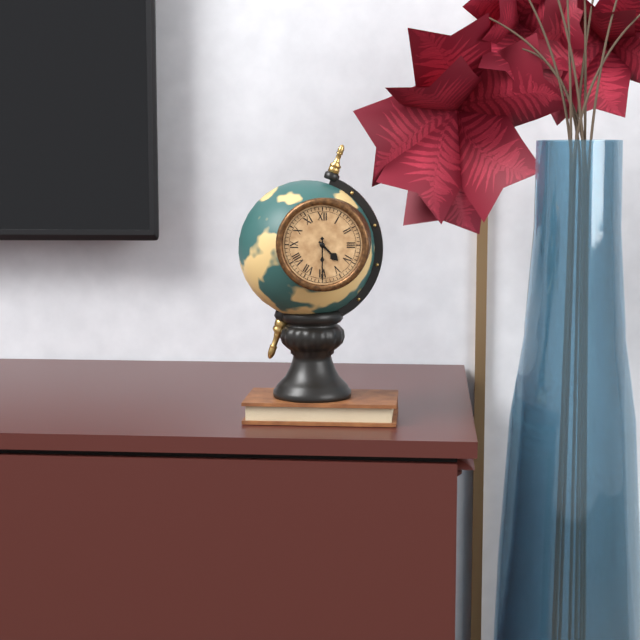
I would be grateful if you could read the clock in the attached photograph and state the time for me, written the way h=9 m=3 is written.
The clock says h=4 m=30
